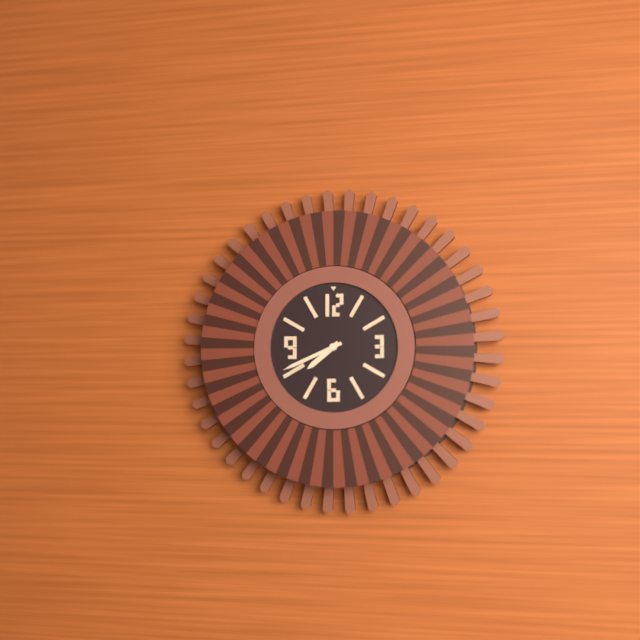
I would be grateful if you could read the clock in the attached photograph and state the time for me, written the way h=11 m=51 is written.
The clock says h=7 m=41
